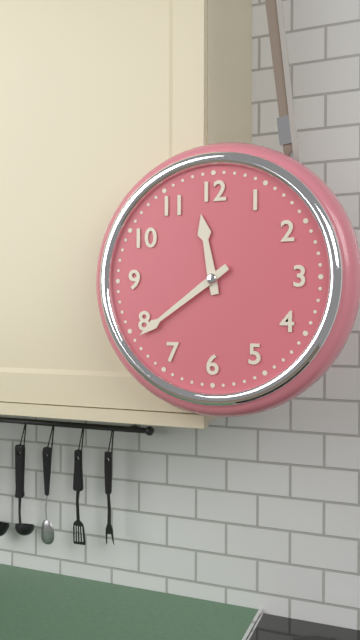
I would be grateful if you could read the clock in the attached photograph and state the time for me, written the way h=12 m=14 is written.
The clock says h=11 m=39
